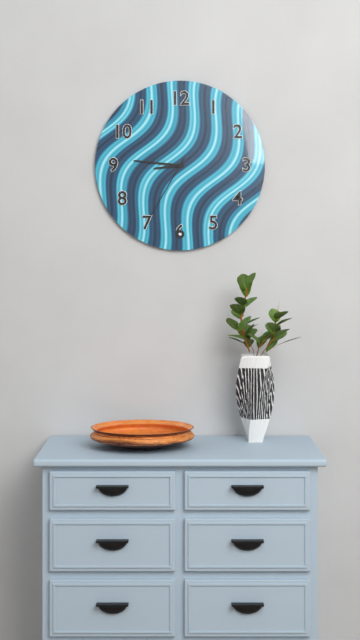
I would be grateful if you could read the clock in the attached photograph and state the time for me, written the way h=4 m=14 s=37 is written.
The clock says h=8 m=46 s=35
